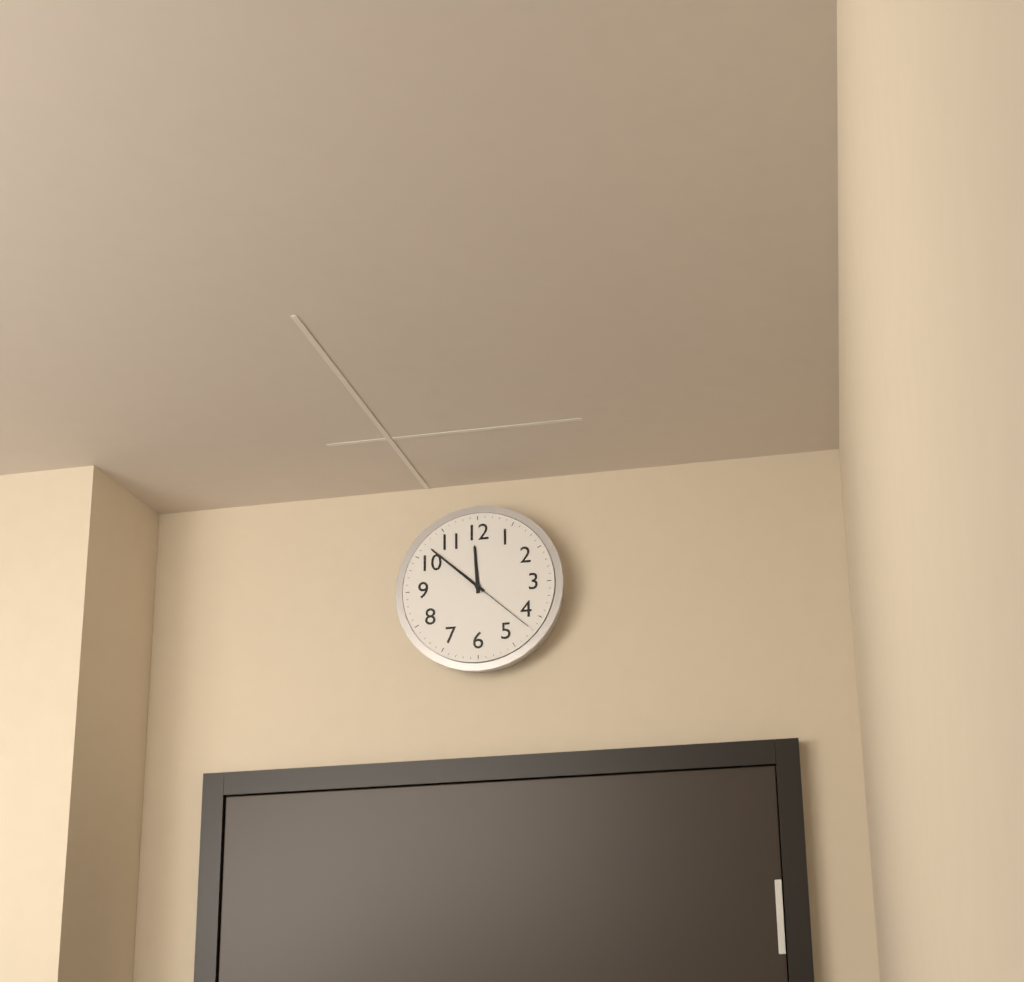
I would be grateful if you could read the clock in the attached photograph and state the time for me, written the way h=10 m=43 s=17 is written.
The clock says h=11 m=52 s=22
